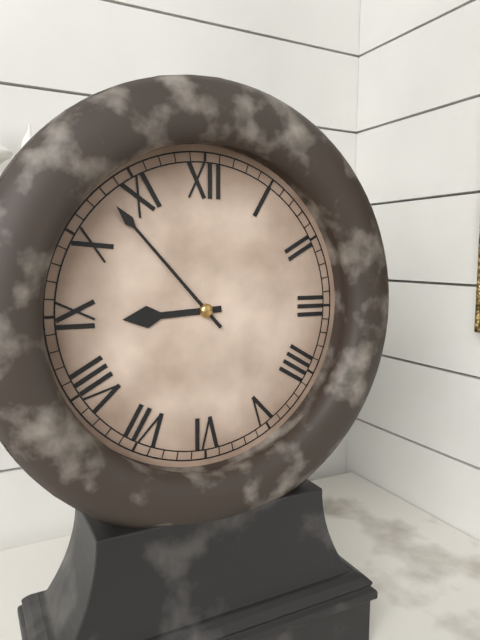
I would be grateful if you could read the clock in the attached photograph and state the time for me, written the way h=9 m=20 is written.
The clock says h=8 m=53
